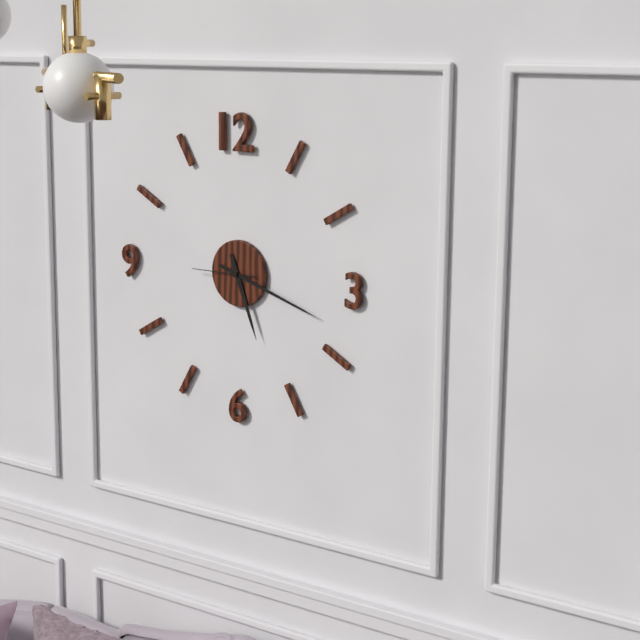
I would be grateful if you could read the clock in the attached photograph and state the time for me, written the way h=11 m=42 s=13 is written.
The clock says h=5 m=18 s=45
